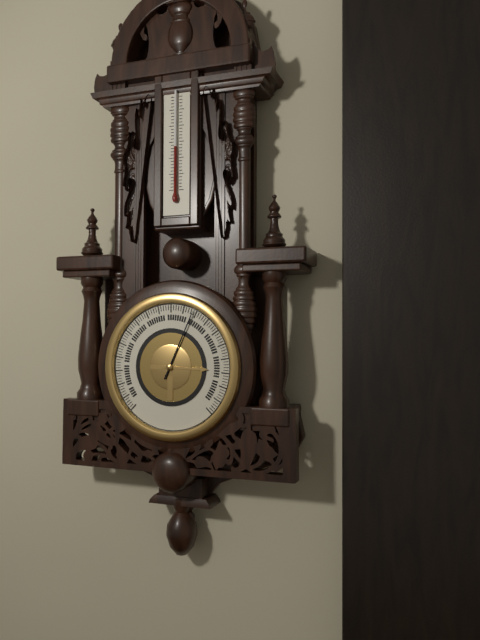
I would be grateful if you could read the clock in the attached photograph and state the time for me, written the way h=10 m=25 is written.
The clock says h=3 m=4
